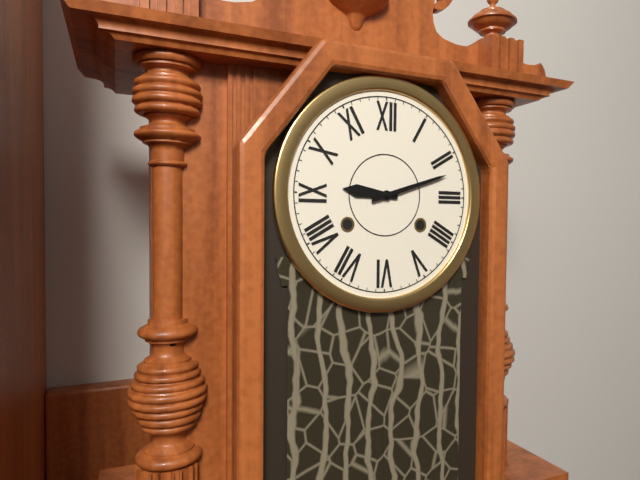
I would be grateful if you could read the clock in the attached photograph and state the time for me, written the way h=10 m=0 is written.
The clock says h=9 m=12
